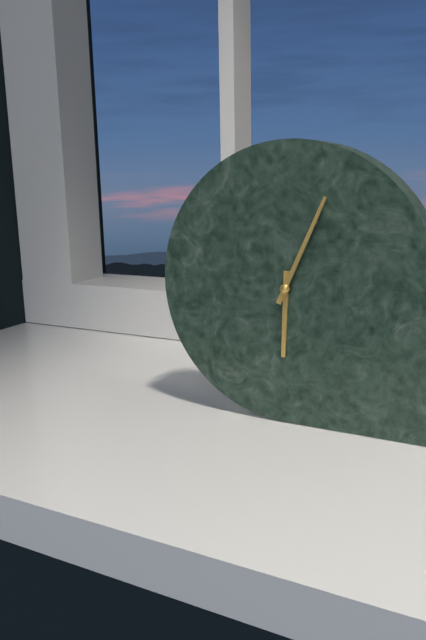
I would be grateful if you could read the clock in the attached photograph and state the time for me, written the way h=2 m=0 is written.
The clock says h=6 m=4
